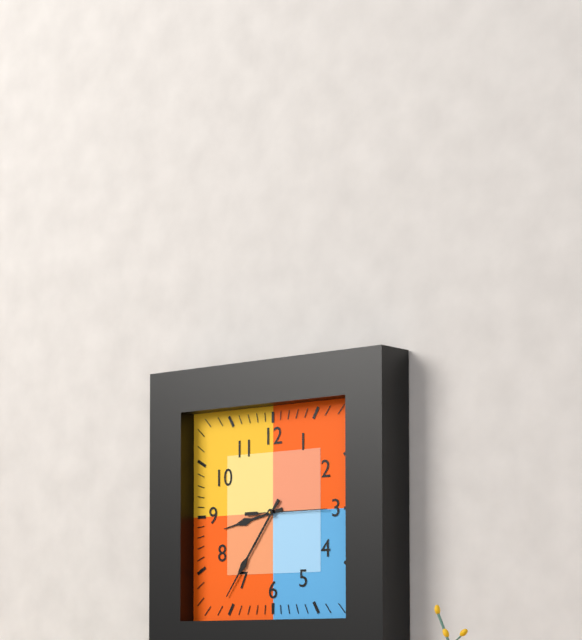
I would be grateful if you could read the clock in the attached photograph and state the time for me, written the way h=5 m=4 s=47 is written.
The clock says h=8 m=36 s=15
